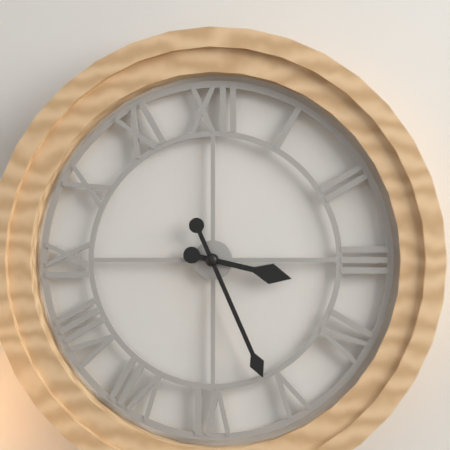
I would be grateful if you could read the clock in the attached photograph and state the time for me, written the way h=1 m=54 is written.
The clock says h=3 m=26
